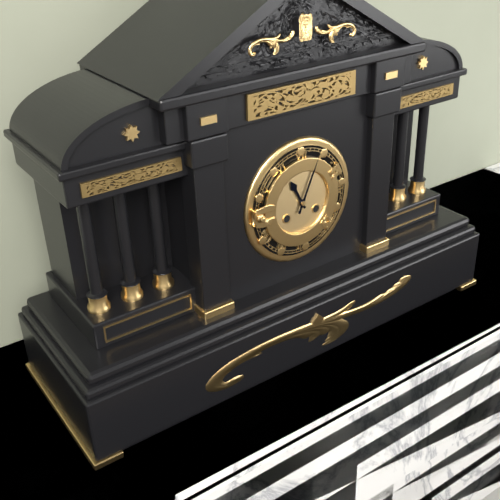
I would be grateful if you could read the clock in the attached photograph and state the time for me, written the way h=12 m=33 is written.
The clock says h=11 m=4
